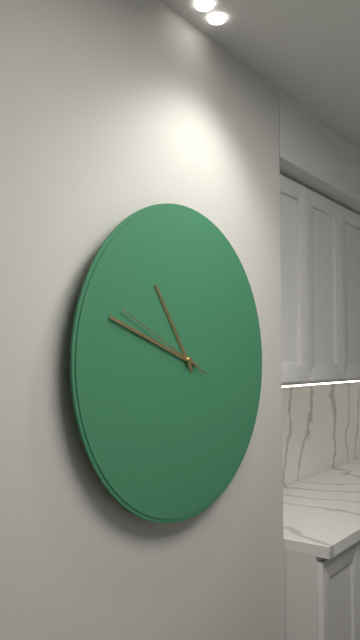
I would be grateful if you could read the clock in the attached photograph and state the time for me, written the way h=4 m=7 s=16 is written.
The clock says h=10 m=48 s=49
